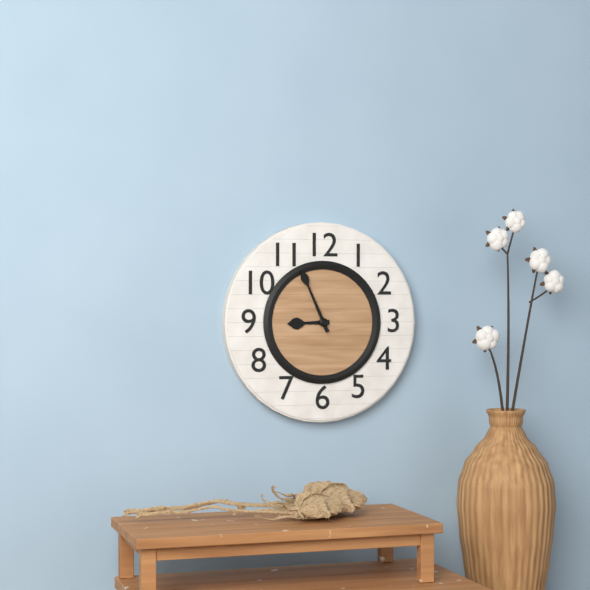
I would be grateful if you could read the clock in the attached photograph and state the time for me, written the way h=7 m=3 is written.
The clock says h=8 m=56
